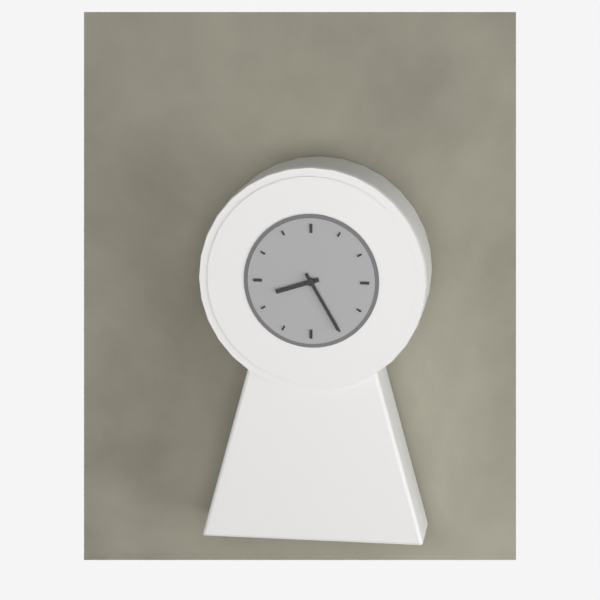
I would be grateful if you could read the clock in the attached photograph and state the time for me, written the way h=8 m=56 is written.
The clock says h=8 m=25
